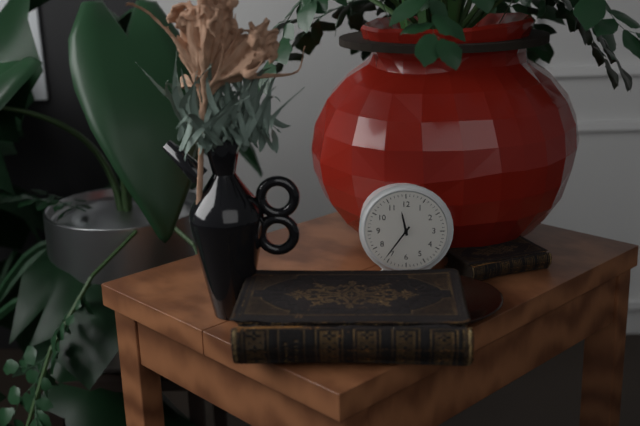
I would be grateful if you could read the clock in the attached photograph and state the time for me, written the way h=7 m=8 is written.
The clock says h=11 m=36
